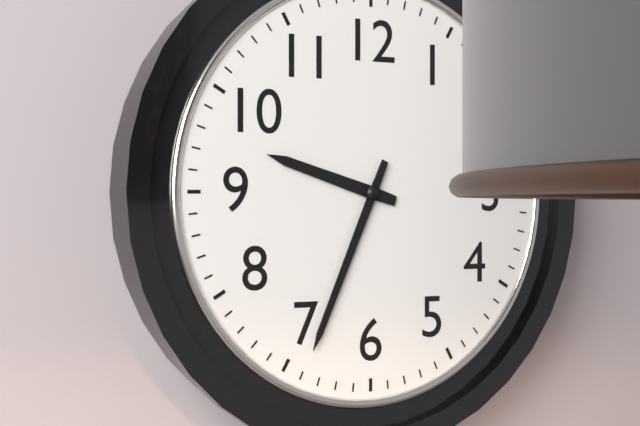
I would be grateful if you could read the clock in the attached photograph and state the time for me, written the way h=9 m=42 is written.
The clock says h=9 m=34
